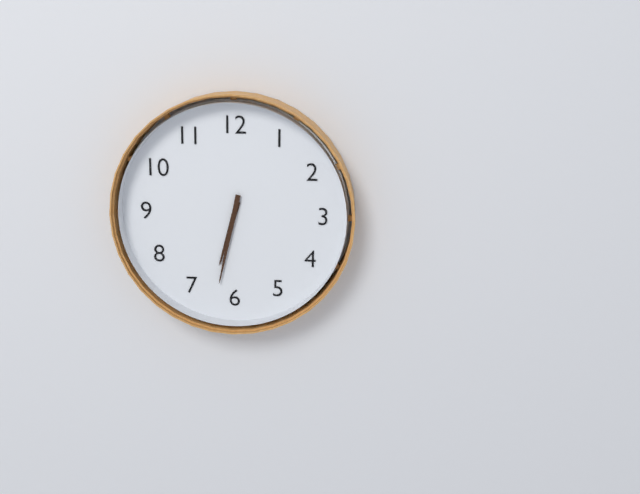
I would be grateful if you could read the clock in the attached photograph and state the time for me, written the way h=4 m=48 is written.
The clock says h=6 m=32
